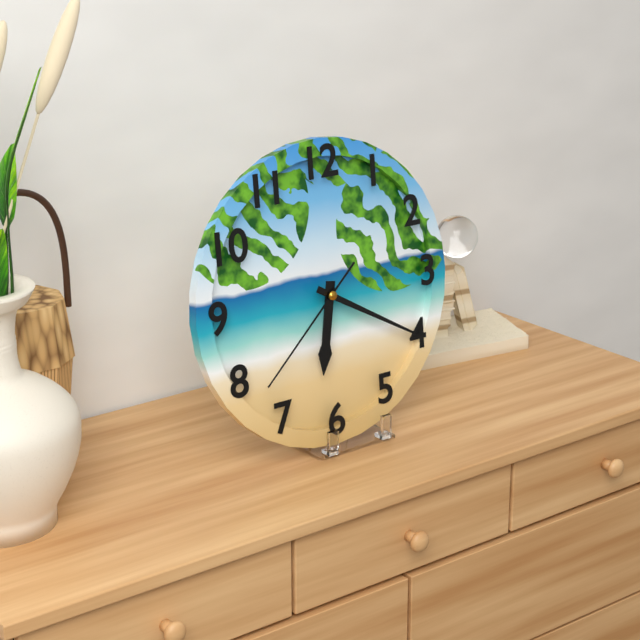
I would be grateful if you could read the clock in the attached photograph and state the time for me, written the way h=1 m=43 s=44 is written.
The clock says h=6 m=20 s=38
